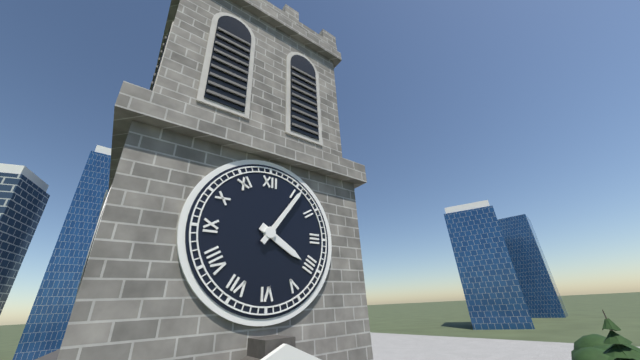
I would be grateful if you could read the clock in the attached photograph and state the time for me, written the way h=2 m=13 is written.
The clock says h=4 m=6
